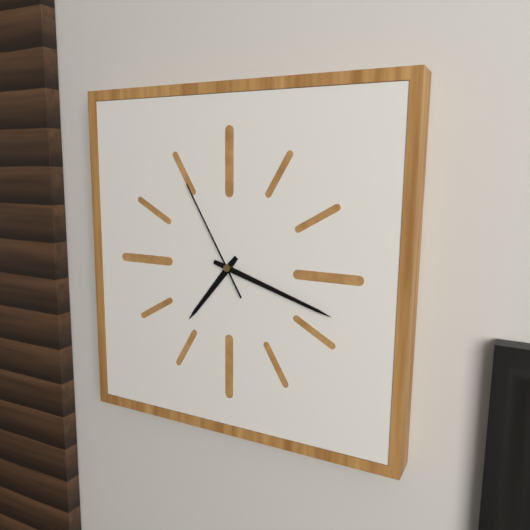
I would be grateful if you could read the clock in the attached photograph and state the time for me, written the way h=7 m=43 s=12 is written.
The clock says h=7 m=18 s=55
